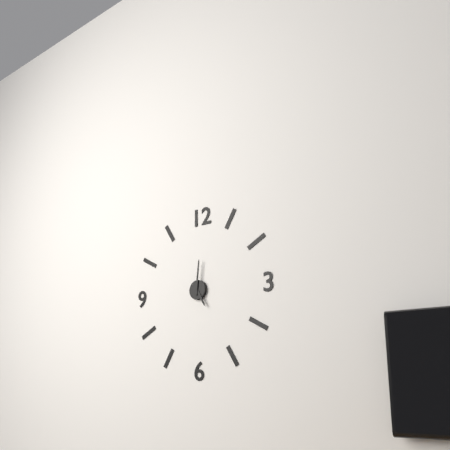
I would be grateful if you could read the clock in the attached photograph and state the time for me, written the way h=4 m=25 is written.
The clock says h=5 m=1
